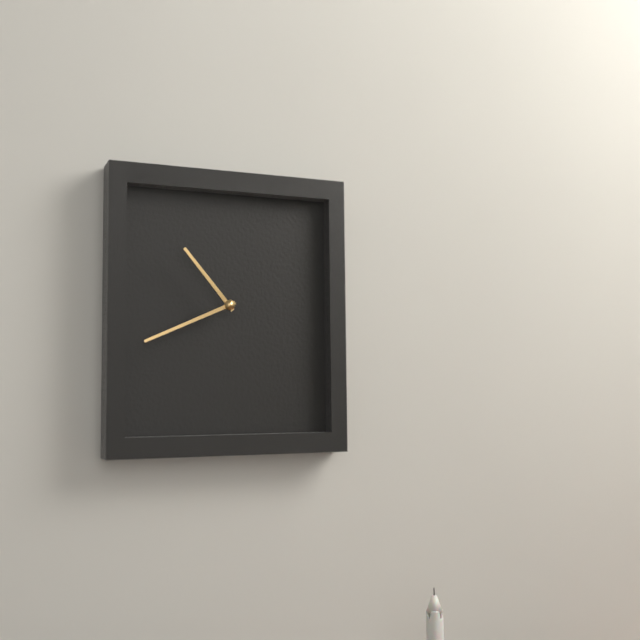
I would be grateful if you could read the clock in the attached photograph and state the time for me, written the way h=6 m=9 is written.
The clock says h=10 m=41
